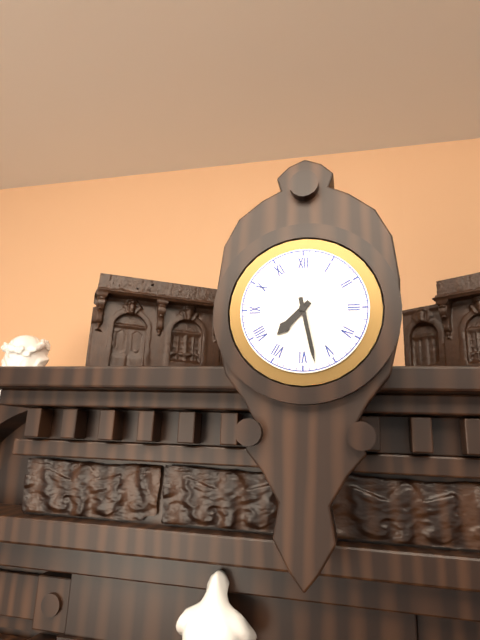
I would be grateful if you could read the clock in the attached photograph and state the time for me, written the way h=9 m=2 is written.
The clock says h=7 m=28
